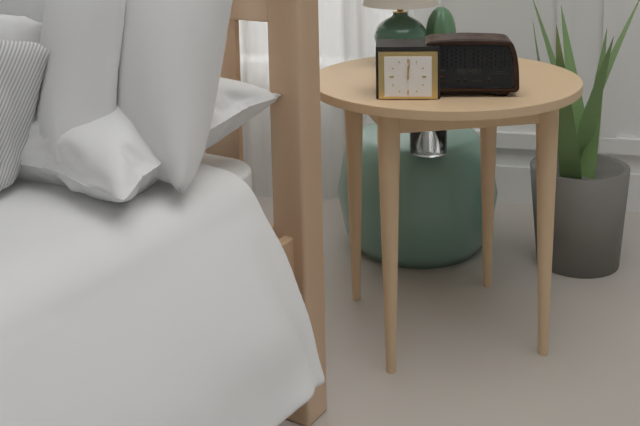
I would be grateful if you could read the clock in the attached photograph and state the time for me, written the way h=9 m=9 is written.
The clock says h=12 m=1
